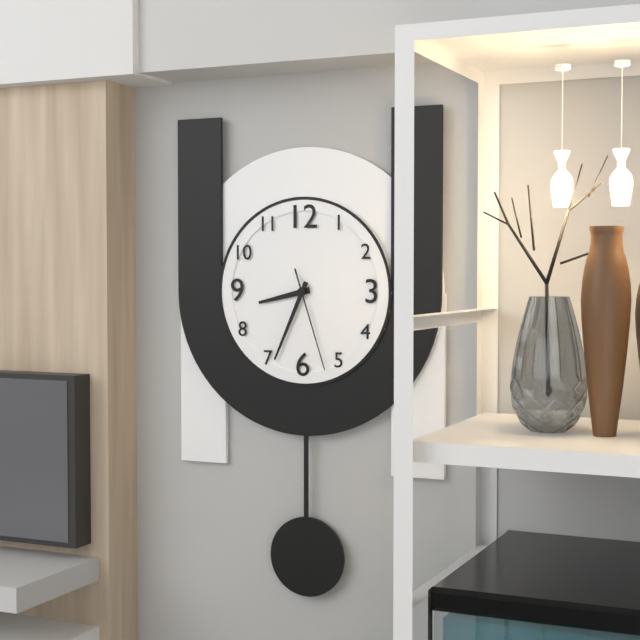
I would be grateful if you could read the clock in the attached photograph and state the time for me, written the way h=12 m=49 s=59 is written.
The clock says h=8 m=34 s=27
